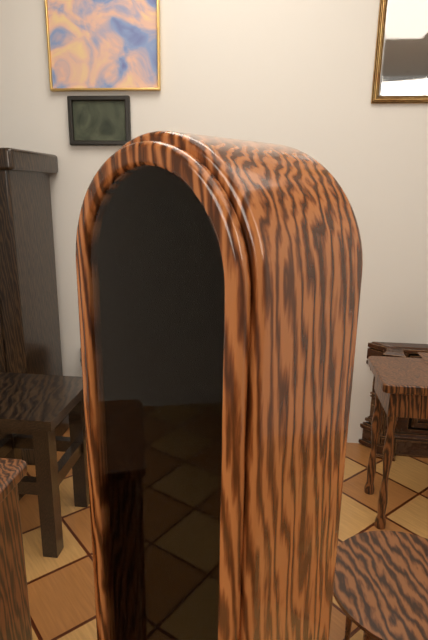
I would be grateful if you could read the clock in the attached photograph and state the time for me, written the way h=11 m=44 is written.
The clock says h=9 m=1
